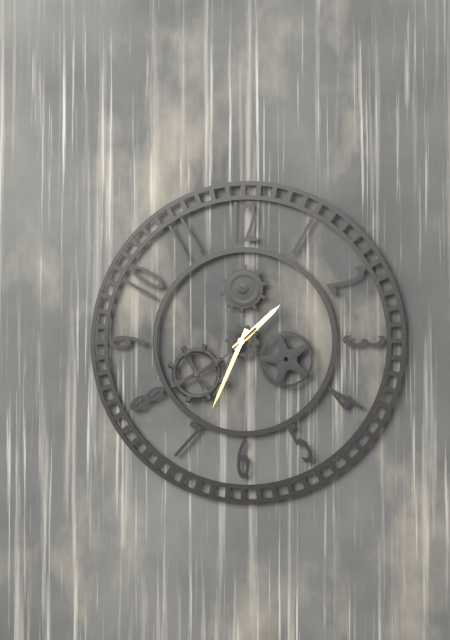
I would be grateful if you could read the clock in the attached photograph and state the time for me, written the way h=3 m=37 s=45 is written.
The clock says h=1 m=34 s=38
